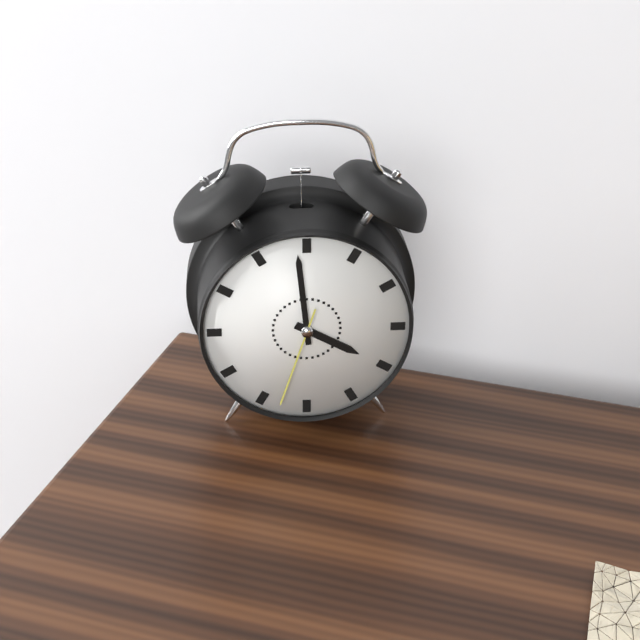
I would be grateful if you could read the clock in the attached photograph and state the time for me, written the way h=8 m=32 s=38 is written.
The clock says h=3 m=59 s=33
